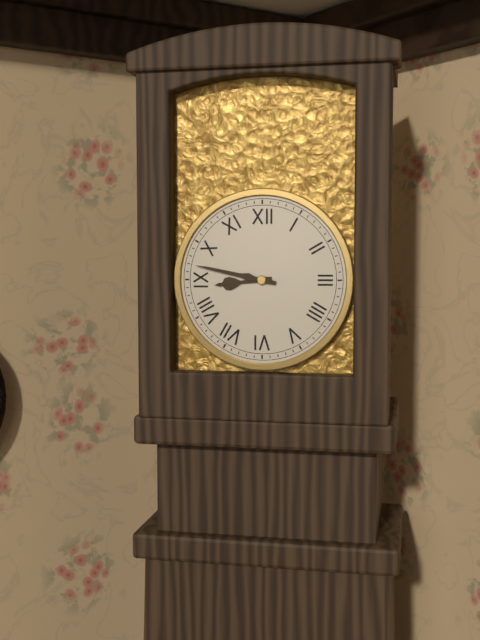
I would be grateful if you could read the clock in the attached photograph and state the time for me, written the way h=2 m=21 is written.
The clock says h=8 m=47
